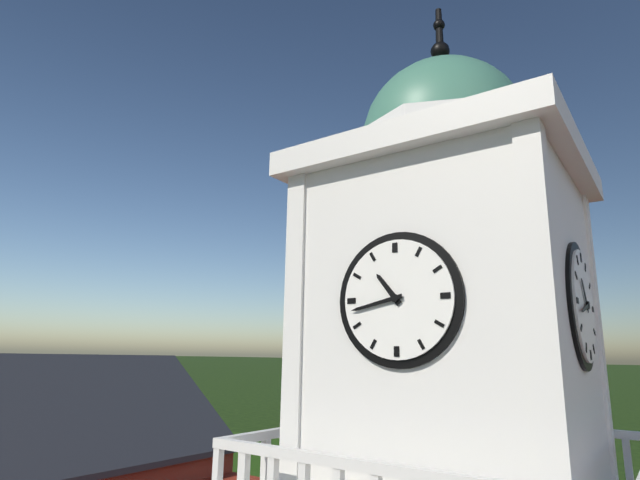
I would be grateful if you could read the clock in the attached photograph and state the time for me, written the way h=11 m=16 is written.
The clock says h=10 m=43
